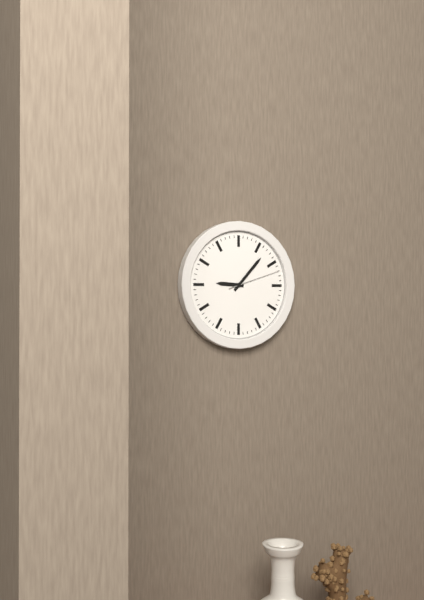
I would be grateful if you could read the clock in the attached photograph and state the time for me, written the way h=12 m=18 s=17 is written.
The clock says h=9 m=7 s=12
